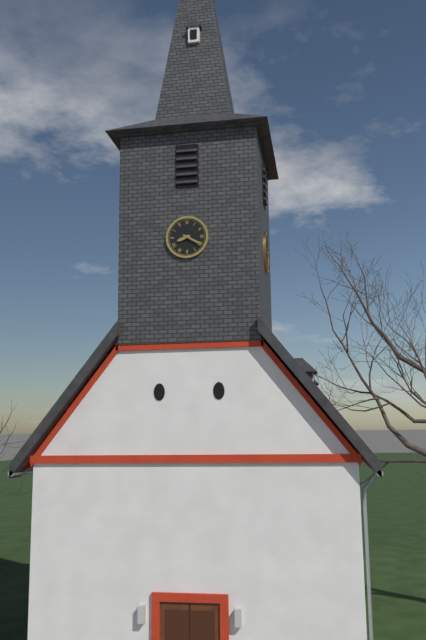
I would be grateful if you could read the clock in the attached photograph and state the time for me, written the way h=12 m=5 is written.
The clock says h=8 m=20
